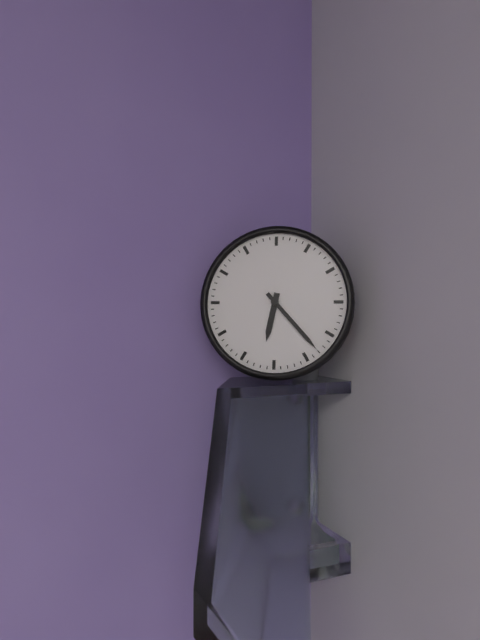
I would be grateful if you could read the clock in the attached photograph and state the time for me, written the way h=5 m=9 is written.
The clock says h=6 m=23
